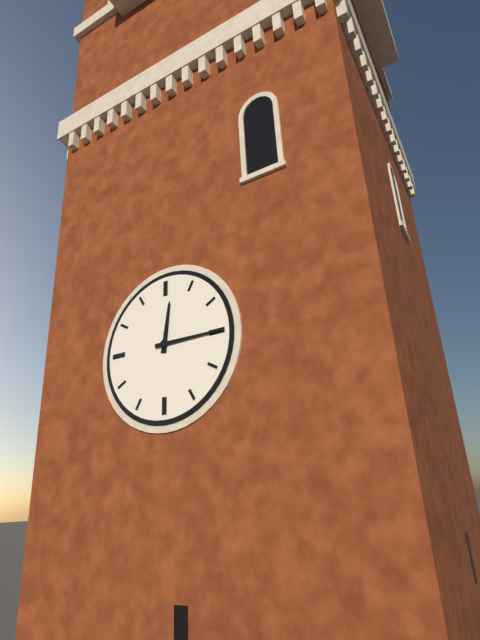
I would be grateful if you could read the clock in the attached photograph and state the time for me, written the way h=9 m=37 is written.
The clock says h=12 m=15
